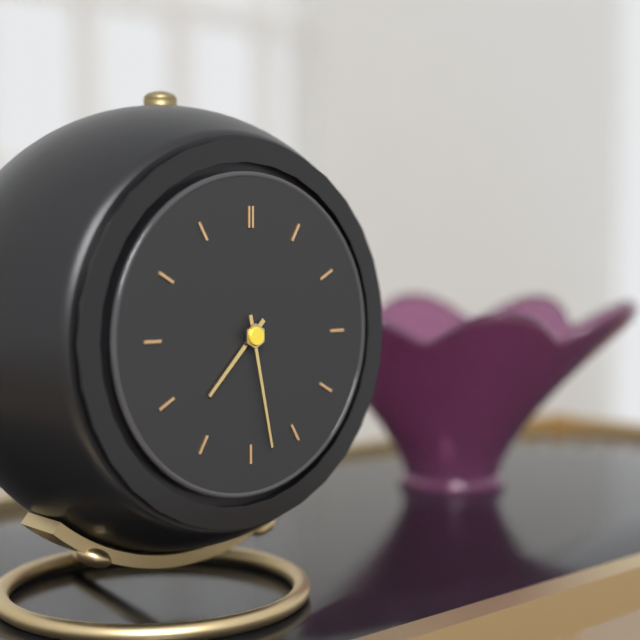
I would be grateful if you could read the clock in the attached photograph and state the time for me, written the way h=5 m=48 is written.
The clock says h=7 m=28
